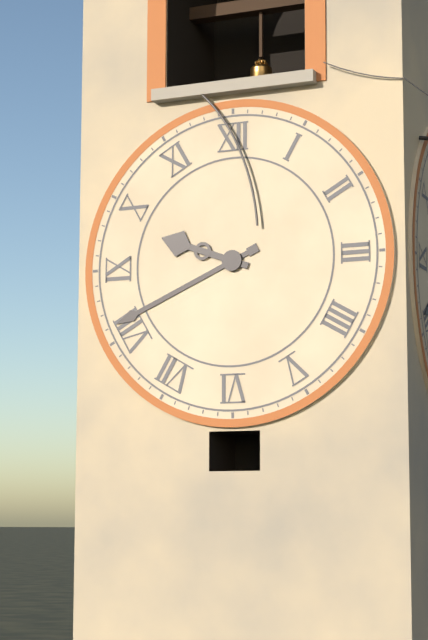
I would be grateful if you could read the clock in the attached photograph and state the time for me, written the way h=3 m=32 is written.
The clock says h=9 m=41
